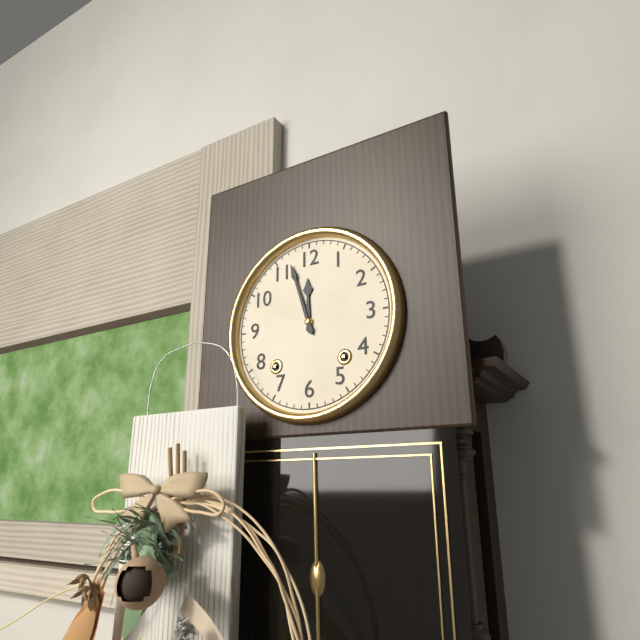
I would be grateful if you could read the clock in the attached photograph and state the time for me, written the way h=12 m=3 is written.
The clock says h=11 m=57
